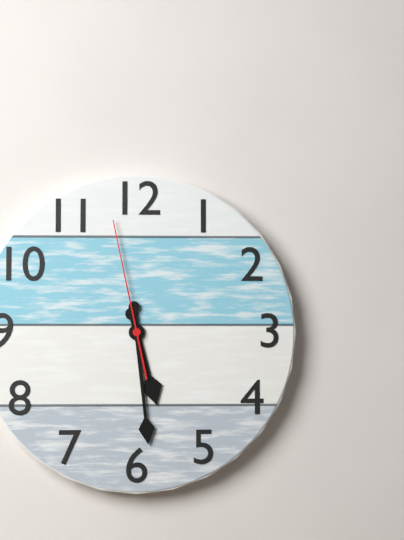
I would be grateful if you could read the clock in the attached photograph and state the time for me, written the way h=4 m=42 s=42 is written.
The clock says h=5 m=29 s=58
